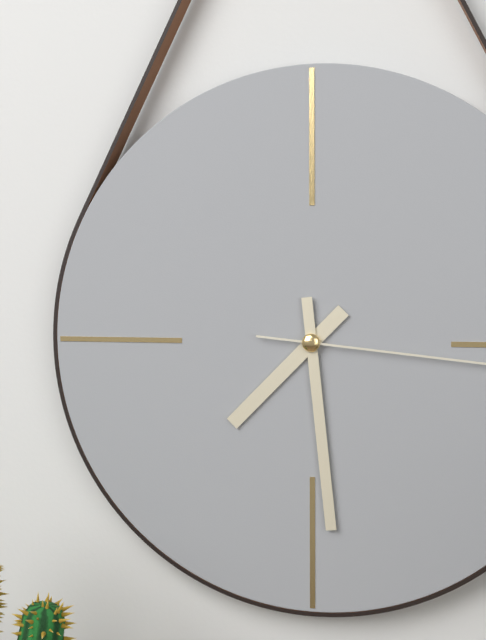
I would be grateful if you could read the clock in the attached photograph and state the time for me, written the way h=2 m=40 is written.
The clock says h=7 m=29
